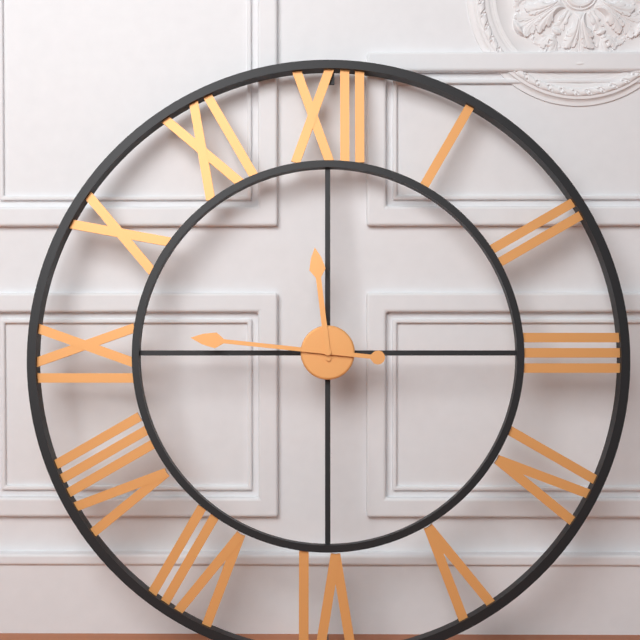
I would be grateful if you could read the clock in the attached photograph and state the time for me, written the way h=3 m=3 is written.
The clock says h=11 m=46
